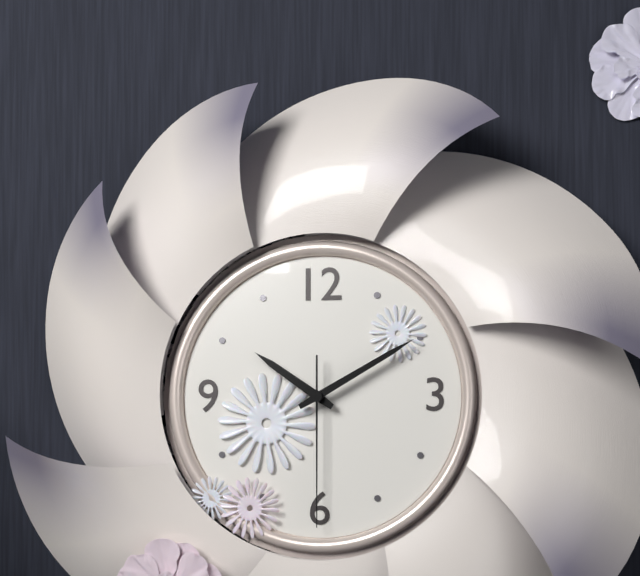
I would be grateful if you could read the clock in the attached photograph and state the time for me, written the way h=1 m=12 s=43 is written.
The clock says h=10 m=10 s=30
